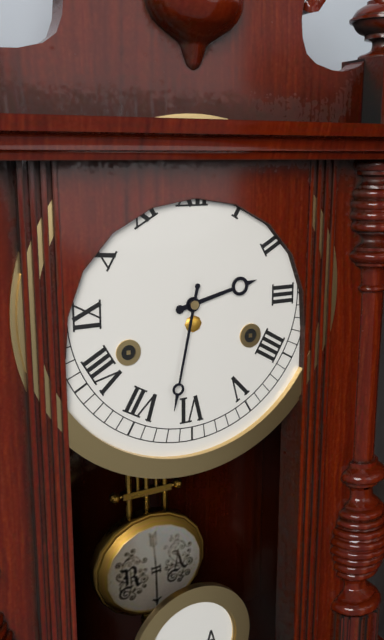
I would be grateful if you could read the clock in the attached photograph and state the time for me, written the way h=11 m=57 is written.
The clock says h=2 m=32
